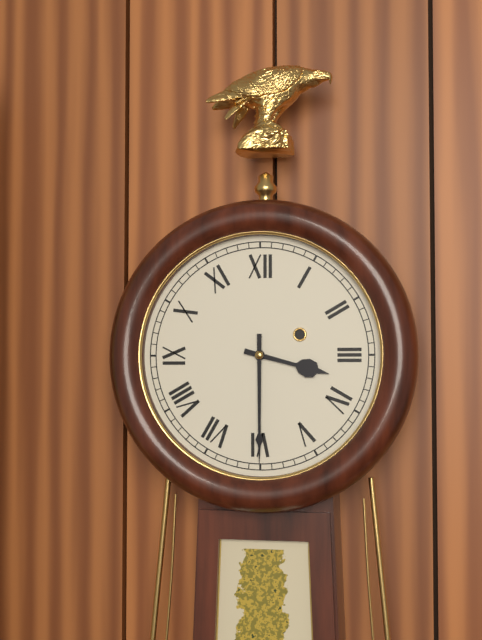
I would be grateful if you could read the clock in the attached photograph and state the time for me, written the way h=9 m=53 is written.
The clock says h=3 m=30
